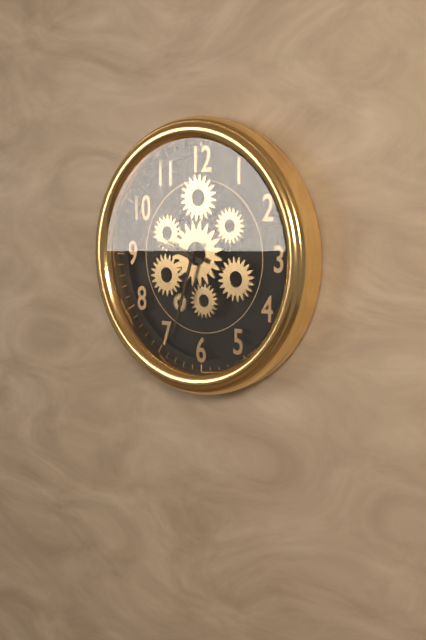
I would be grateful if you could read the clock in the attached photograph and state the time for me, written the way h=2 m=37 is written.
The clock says h=9 m=33
